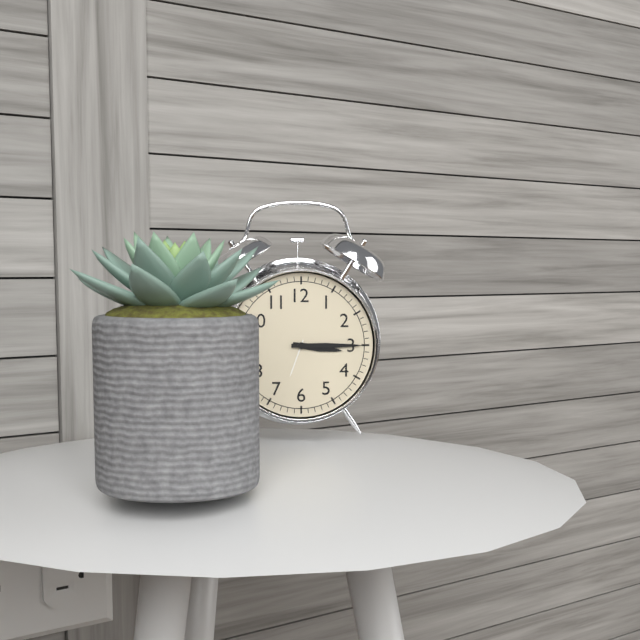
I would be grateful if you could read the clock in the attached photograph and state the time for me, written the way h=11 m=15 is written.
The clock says h=3 m=15
